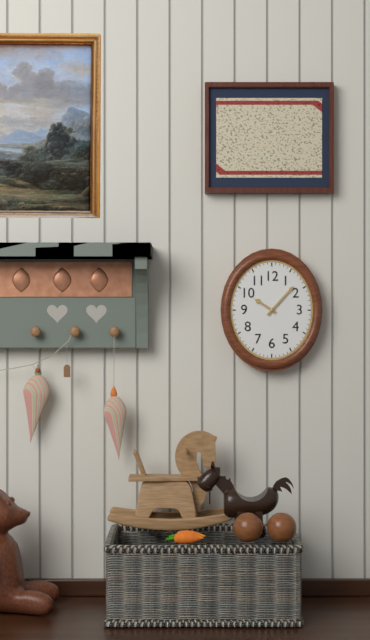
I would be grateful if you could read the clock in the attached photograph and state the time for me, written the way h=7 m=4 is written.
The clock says h=10 m=7
